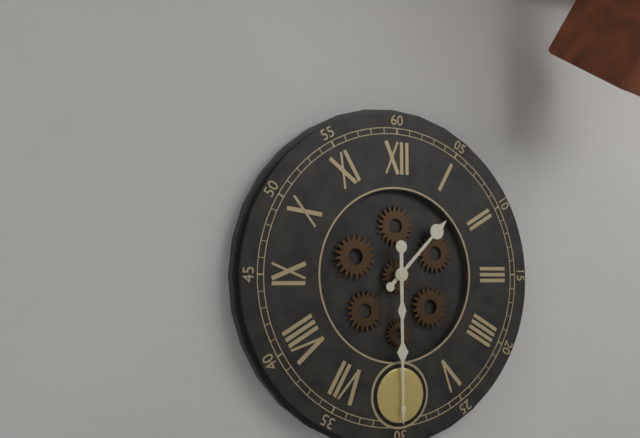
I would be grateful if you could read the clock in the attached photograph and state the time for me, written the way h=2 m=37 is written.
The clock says h=1 m=30
